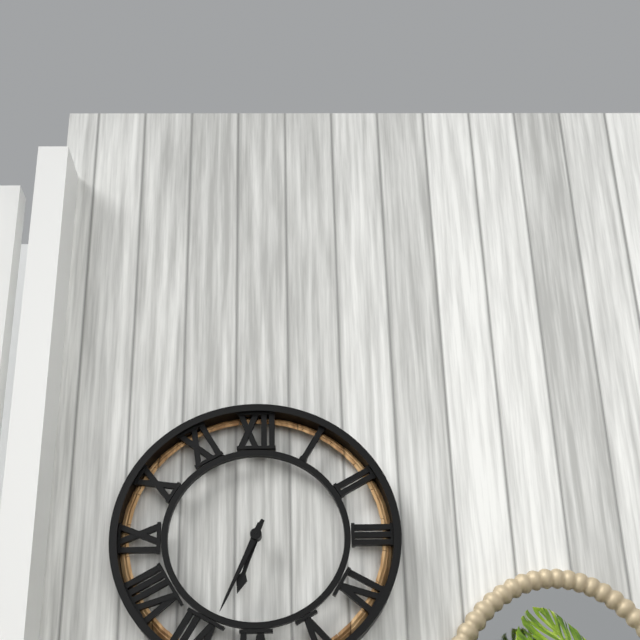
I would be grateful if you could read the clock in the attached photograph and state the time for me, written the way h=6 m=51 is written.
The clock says h=6 m=34
